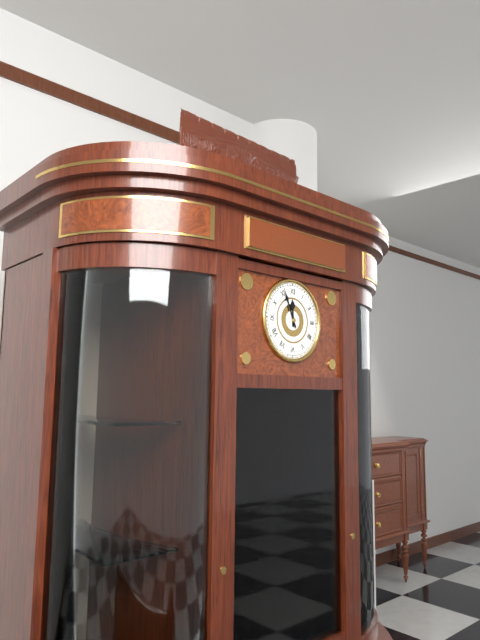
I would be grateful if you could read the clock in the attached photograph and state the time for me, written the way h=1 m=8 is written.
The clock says h=11 m=56
